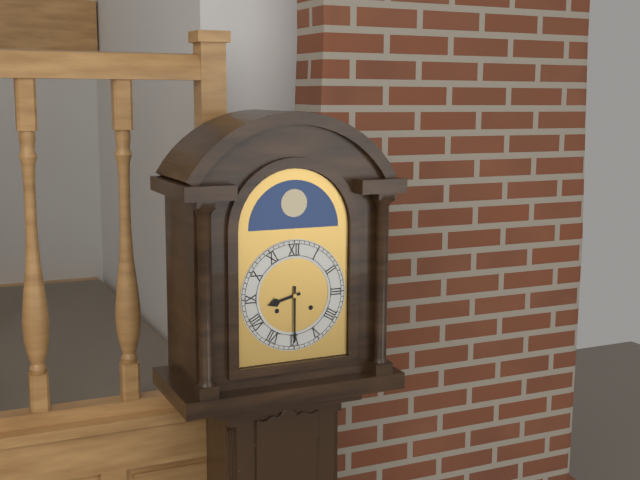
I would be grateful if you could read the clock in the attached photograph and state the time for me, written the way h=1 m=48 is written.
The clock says h=8 m=30
